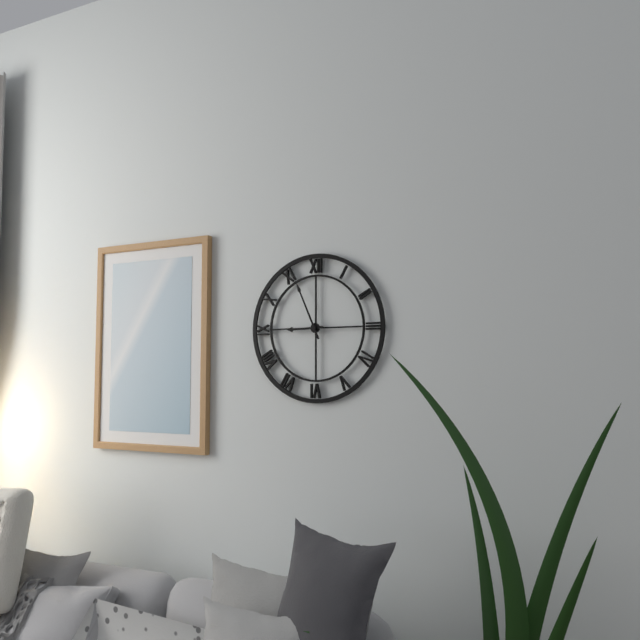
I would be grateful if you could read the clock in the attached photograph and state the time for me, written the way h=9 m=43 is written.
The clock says h=8 m=56
